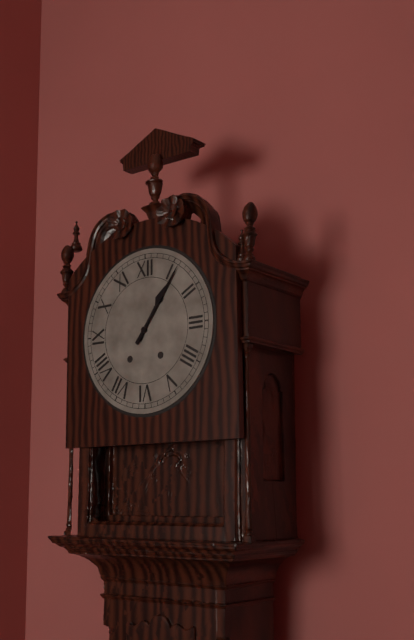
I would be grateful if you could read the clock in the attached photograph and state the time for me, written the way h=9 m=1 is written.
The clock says h=1 m=6
